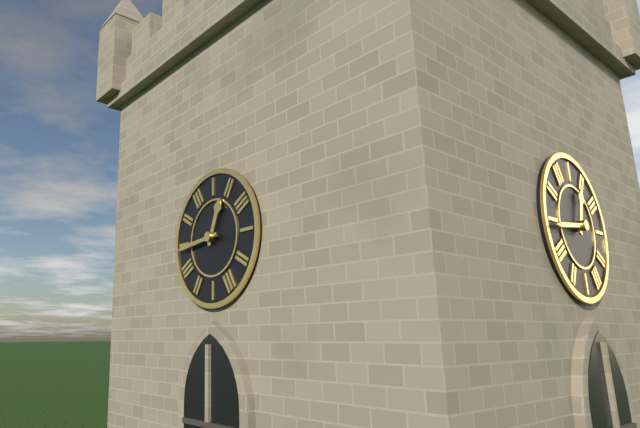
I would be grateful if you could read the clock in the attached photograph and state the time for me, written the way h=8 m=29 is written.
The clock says h=12 m=44
